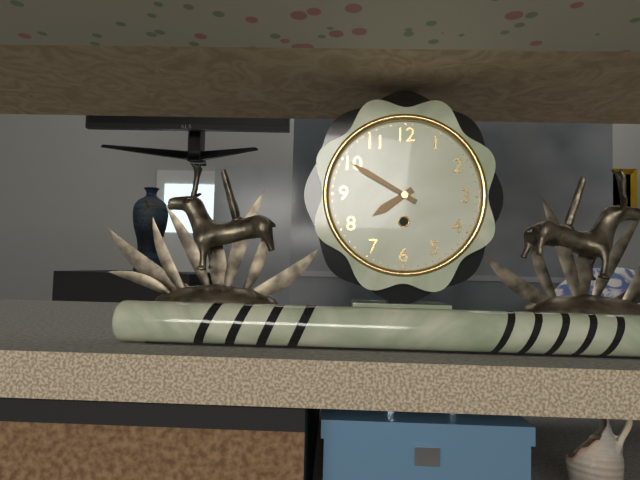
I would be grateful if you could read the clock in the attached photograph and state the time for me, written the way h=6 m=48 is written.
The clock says h=7 m=50
